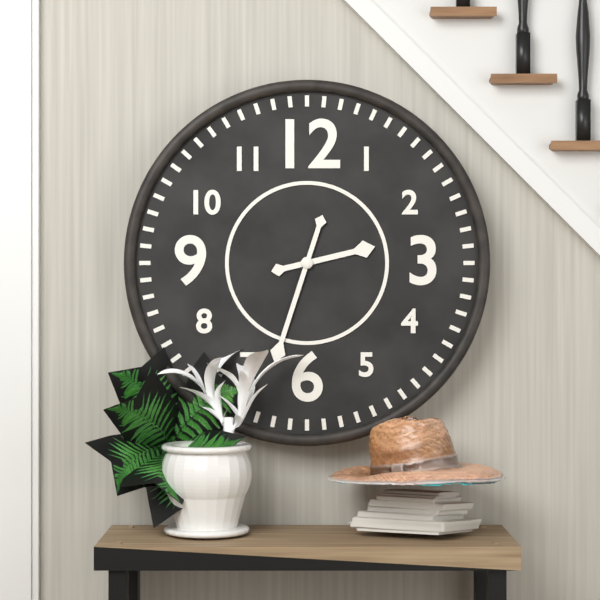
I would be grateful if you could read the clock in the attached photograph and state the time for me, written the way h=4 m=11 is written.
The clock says h=2 m=33
